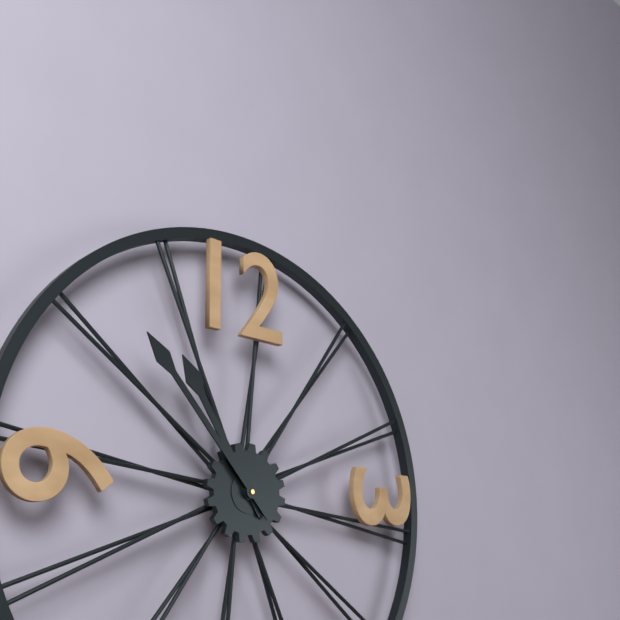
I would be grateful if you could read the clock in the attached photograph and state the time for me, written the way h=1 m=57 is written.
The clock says h=10 m=53
